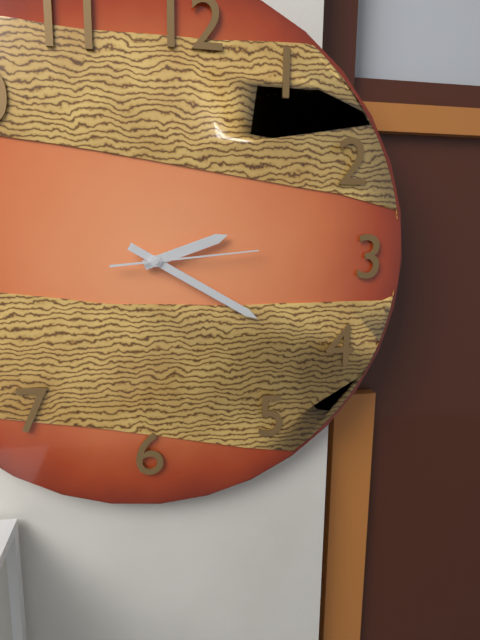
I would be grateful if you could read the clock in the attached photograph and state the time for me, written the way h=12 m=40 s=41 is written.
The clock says h=2 m=20 s=14
